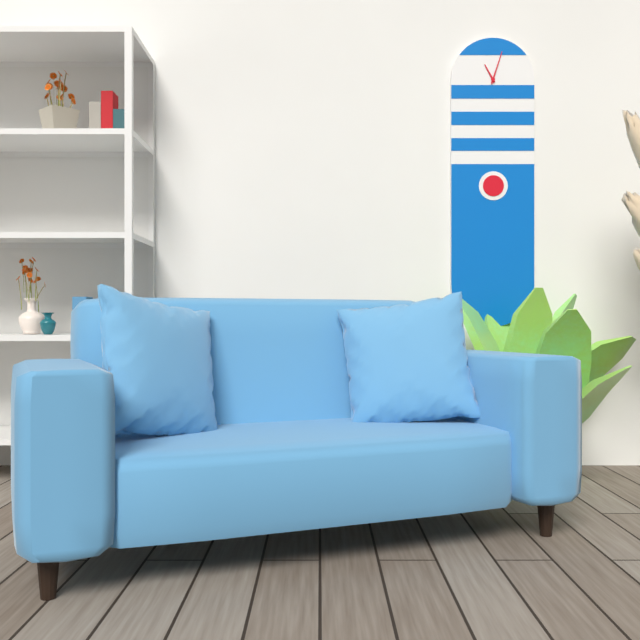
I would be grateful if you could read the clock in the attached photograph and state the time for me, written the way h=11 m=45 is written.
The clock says h=11 m=3
